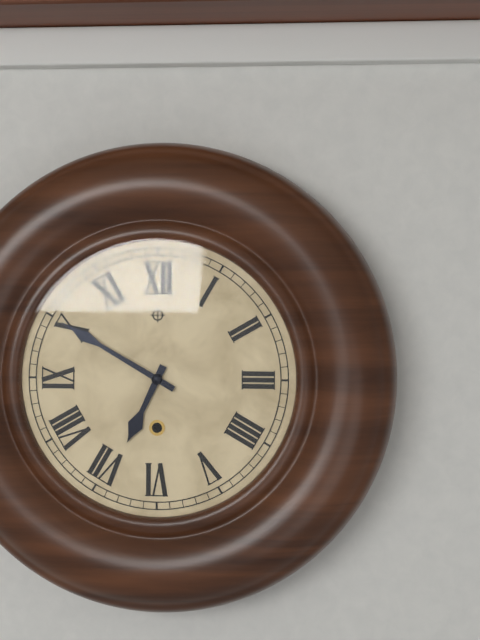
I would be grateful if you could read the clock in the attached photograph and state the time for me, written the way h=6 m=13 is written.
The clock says h=6 m=50
